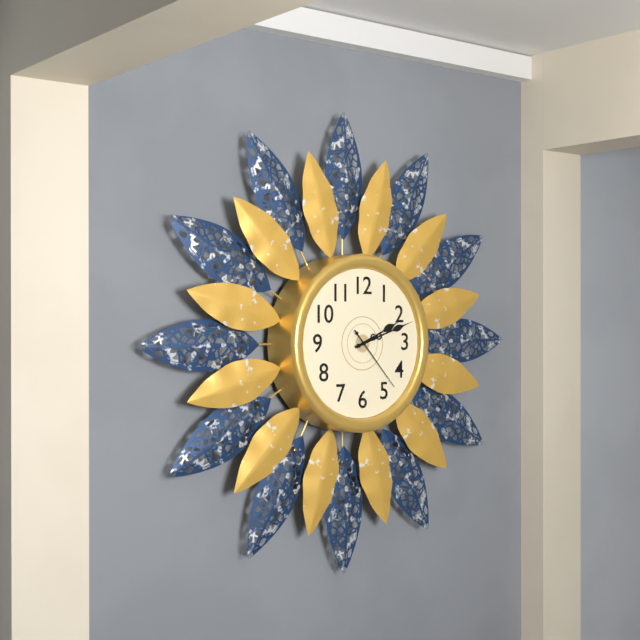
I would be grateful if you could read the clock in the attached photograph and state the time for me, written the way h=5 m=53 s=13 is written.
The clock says h=2 m=12 s=23
